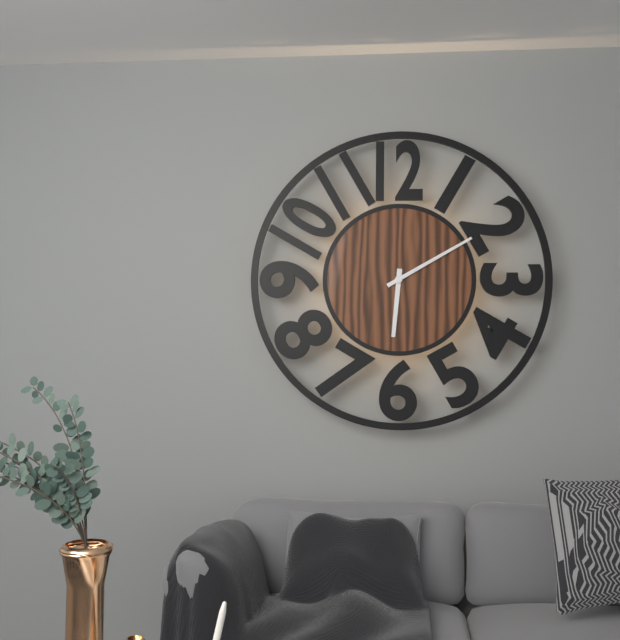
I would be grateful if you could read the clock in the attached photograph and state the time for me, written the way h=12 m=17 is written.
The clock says h=6 m=10
